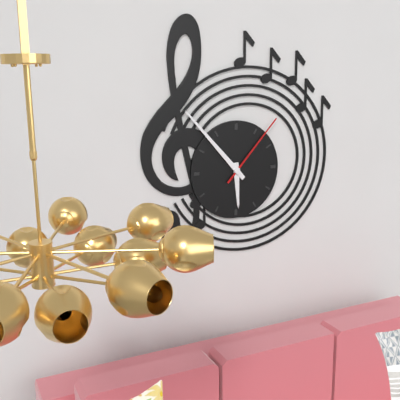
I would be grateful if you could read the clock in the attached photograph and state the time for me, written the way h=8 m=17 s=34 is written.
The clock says h=5 m=53 s=7
